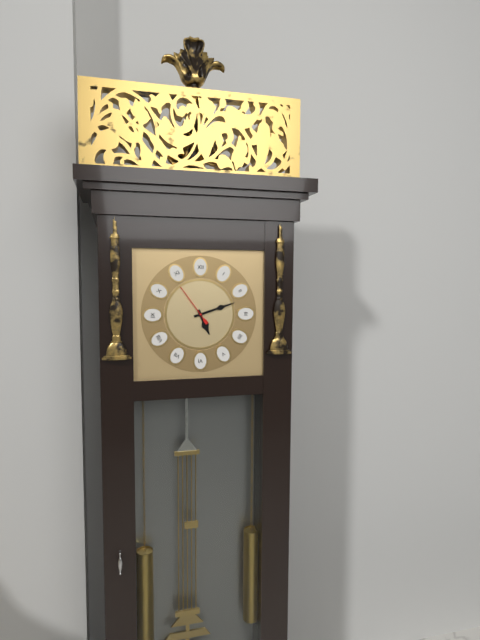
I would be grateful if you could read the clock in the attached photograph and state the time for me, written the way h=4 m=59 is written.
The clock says h=5 m=12
